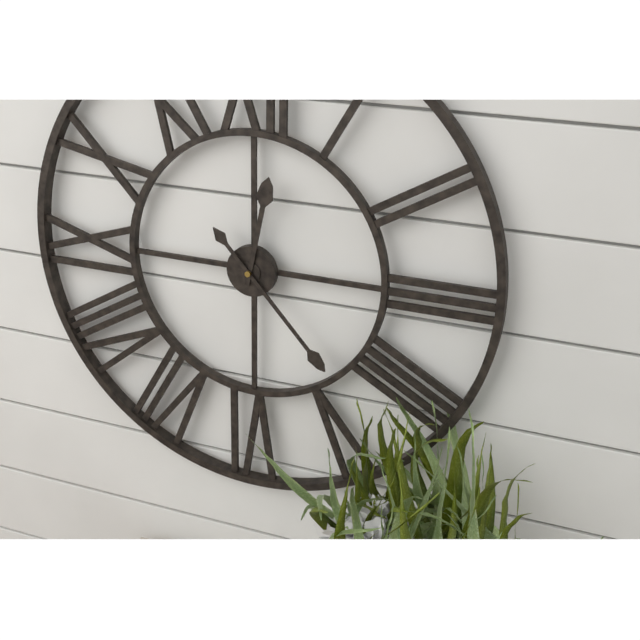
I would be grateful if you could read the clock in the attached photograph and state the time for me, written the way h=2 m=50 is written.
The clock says h=12 m=23
